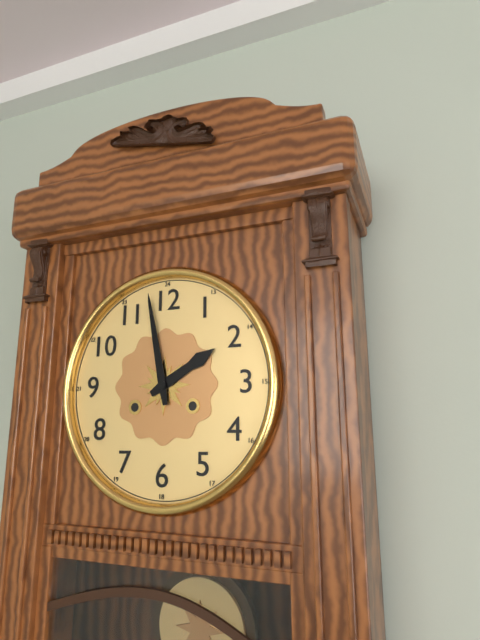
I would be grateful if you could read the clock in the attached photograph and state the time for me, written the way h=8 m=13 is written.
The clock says h=1 m=58
